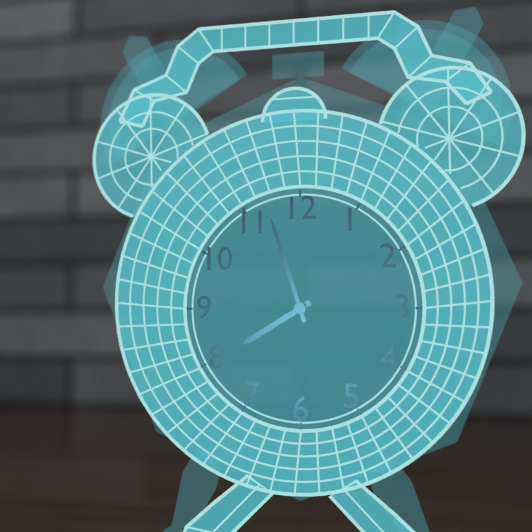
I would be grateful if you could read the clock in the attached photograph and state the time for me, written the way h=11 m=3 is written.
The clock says h=7 m=57
